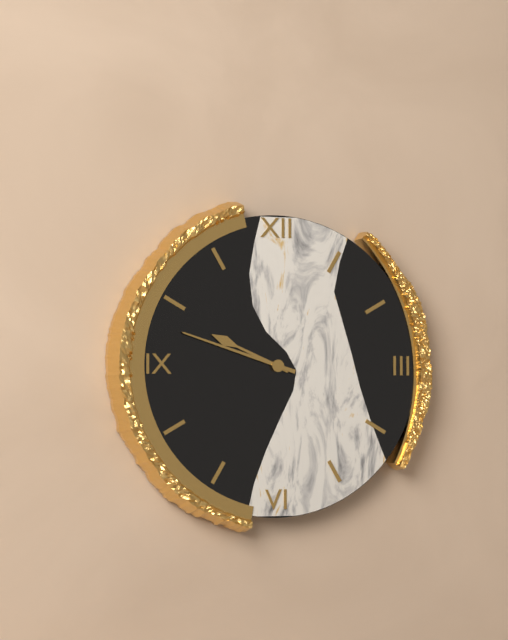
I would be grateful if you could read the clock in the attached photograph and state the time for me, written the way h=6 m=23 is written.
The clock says h=9 m=48
